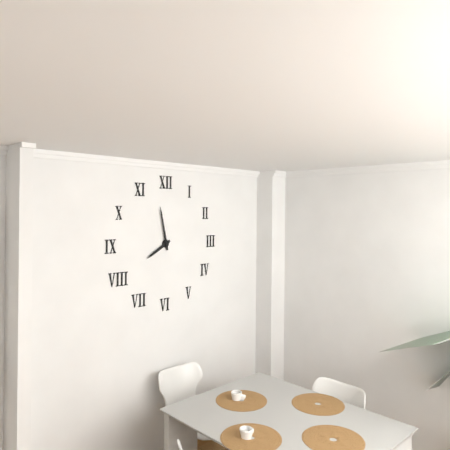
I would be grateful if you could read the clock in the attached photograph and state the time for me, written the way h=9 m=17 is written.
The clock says h=7 m=58
